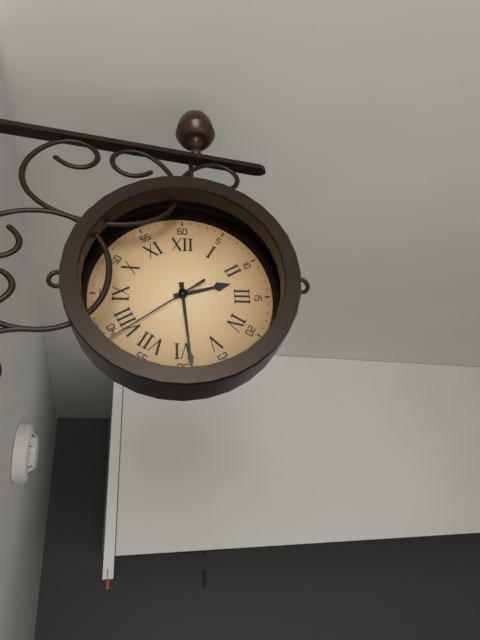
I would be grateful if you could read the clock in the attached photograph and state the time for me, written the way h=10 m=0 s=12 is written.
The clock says h=2 m=29 s=39
